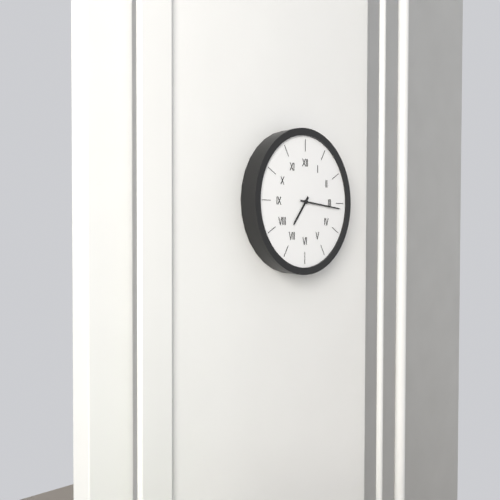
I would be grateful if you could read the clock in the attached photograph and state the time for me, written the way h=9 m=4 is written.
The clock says h=7 m=16
